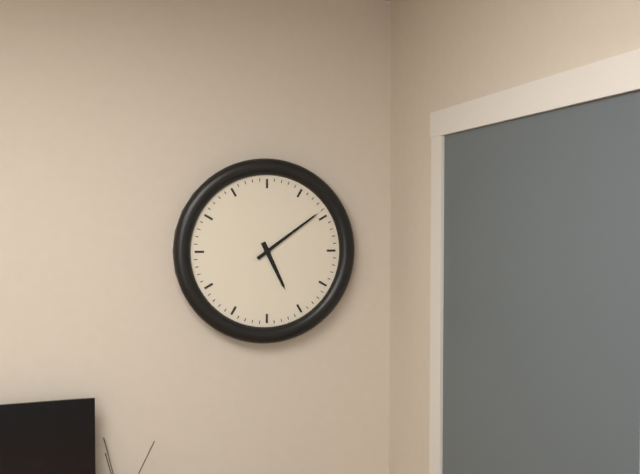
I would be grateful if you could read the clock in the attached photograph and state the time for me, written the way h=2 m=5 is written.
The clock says h=5 m=9
